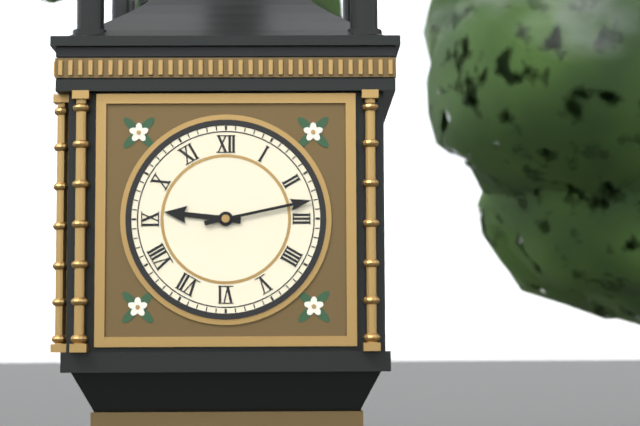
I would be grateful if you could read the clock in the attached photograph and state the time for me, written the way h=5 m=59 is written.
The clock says h=9 m=13
